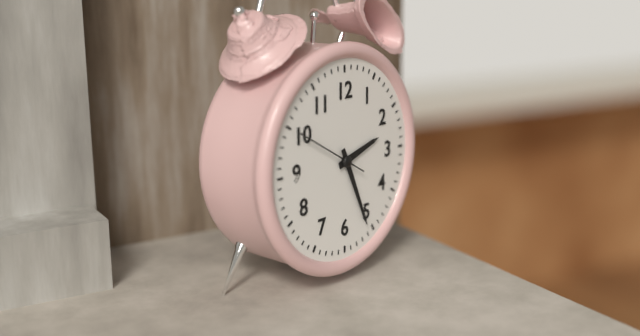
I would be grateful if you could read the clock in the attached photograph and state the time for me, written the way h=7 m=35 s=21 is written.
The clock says h=2 m=26 s=50
